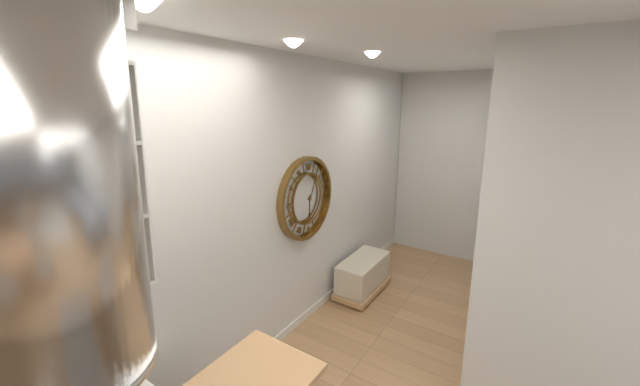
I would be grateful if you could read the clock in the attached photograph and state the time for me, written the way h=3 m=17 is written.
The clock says h=6 m=4
